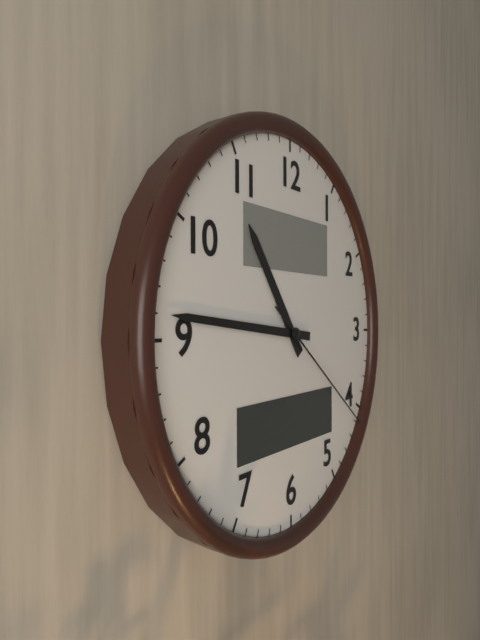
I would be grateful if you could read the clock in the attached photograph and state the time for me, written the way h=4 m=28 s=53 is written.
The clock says h=10 m=46 s=21
